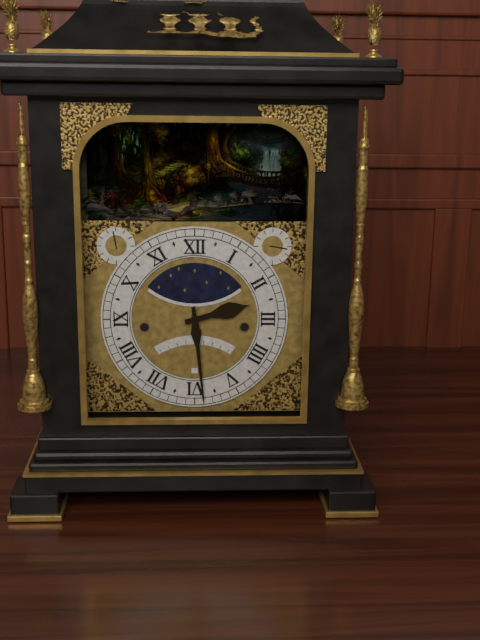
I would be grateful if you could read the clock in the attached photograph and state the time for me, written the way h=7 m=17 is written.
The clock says h=2 m=29
